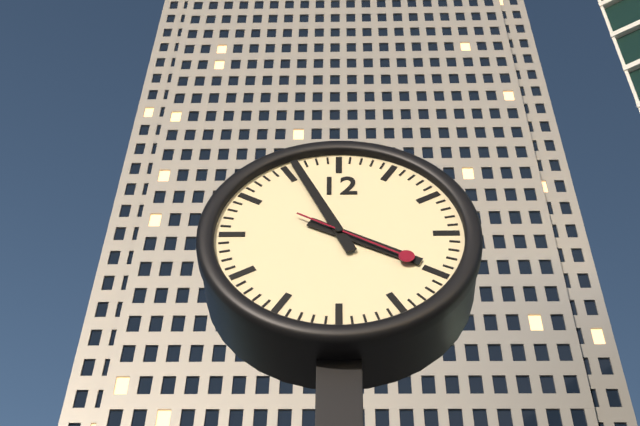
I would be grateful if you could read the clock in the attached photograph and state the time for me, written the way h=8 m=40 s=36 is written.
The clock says h=3 m=56 s=20
